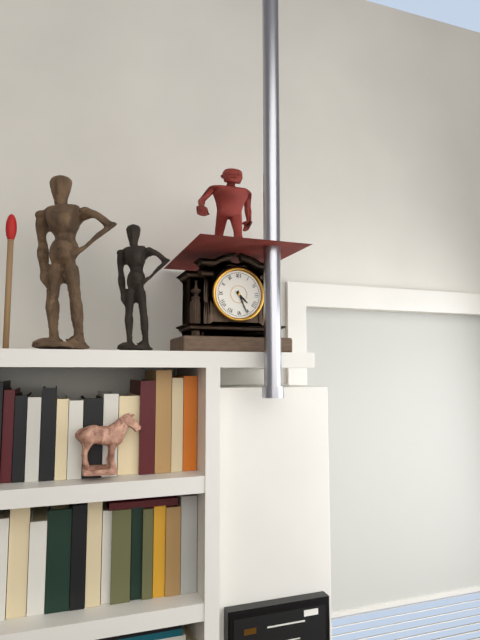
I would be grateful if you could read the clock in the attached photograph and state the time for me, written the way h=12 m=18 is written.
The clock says h=4 m=26
